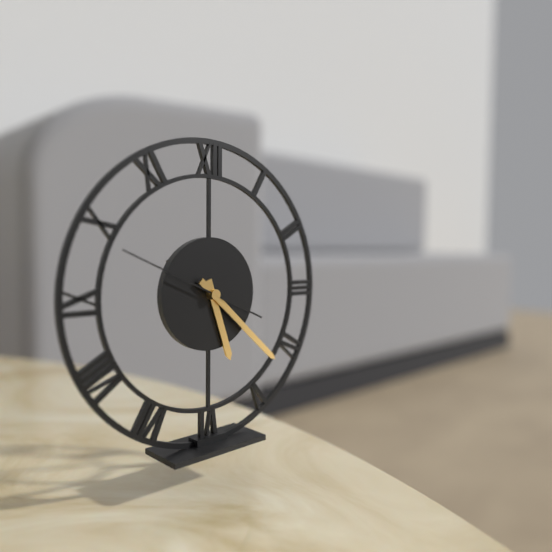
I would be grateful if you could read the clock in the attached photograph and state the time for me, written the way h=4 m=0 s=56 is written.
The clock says h=5 m=22 s=49
